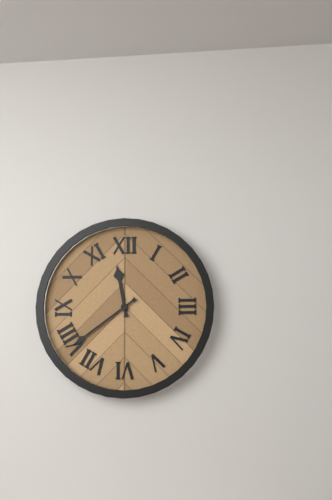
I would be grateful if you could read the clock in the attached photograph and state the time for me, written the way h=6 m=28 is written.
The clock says h=11 m=39
